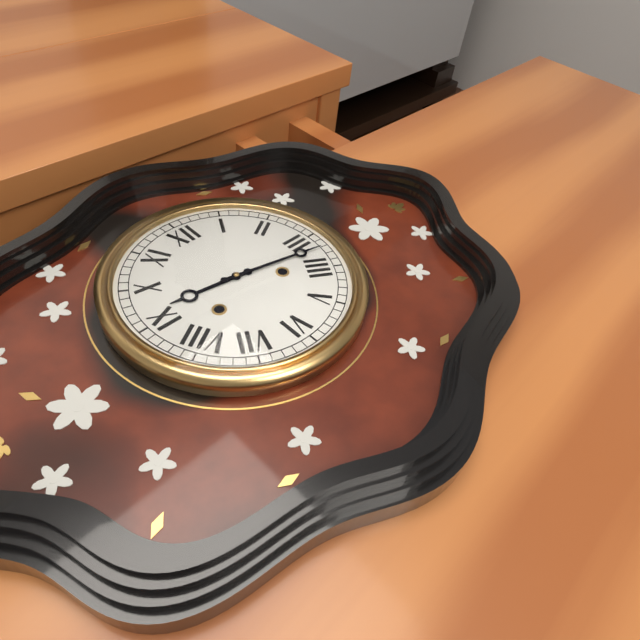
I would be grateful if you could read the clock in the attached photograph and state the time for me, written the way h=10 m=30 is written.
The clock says h=9 m=17
